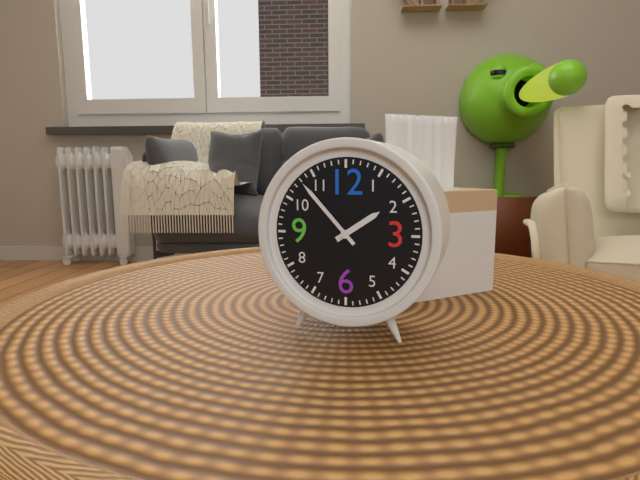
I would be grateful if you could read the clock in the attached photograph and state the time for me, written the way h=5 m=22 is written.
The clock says h=1 m=53
